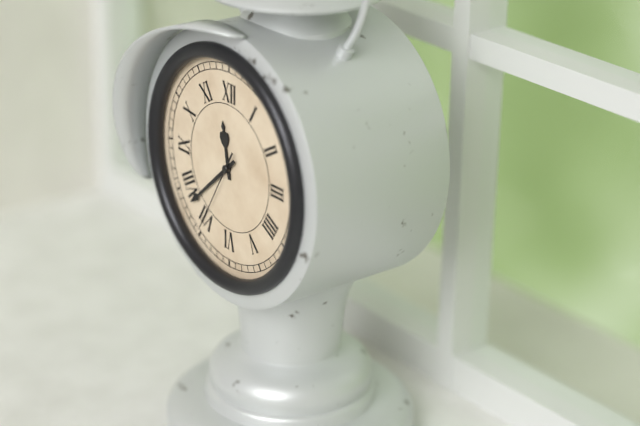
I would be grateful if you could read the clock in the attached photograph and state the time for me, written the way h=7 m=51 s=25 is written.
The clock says h=11 m=38 s=35
